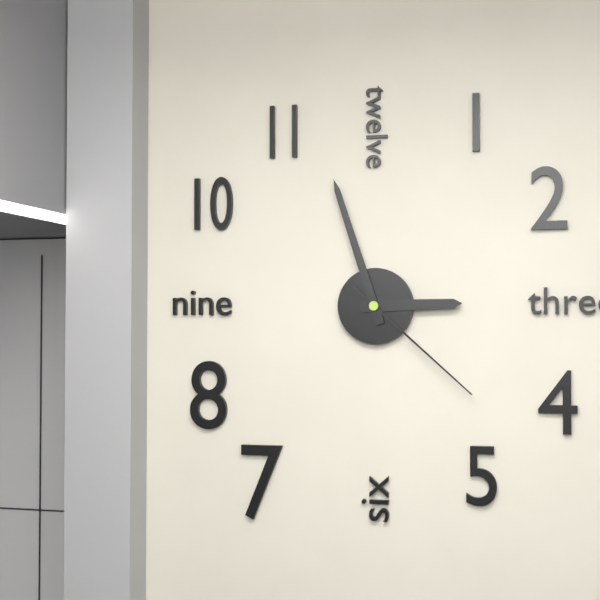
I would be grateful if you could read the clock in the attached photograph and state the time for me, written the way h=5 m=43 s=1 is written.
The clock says h=2 m=57 s=22
